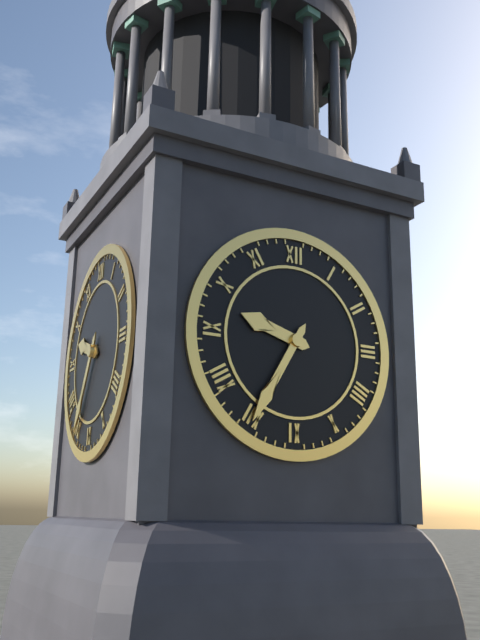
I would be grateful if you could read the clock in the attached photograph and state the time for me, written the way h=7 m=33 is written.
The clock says h=9 m=35
